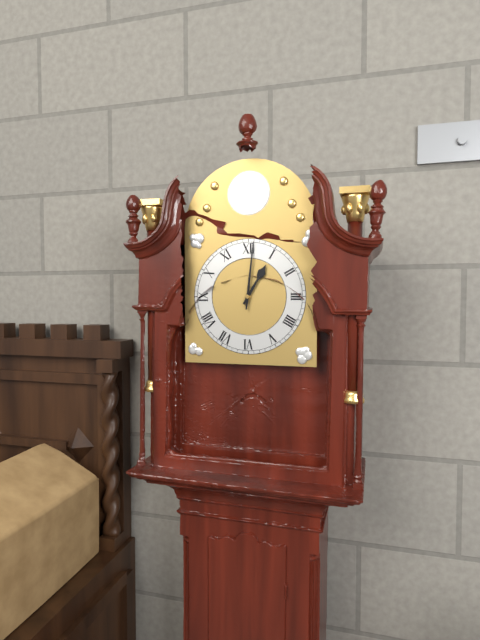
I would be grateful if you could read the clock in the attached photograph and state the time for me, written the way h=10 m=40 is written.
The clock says h=1 m=1
